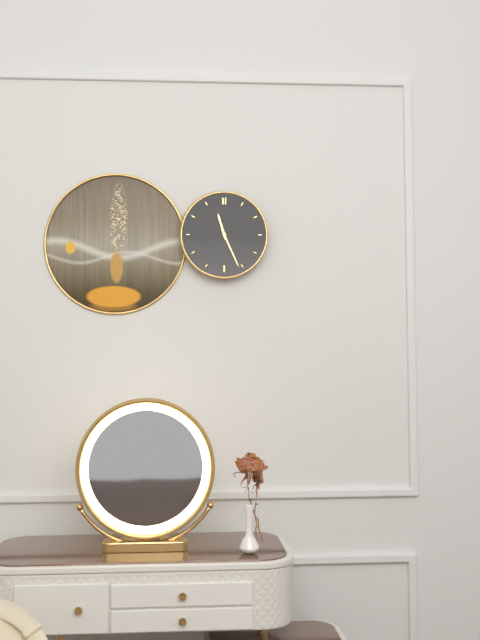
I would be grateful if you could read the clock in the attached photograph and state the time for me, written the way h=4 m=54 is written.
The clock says h=11 m=26
